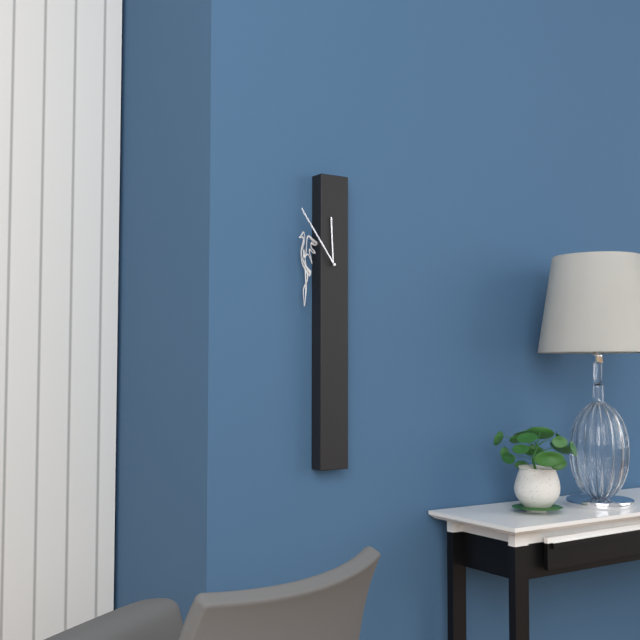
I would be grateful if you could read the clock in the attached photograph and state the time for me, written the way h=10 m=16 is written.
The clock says h=11 m=54
